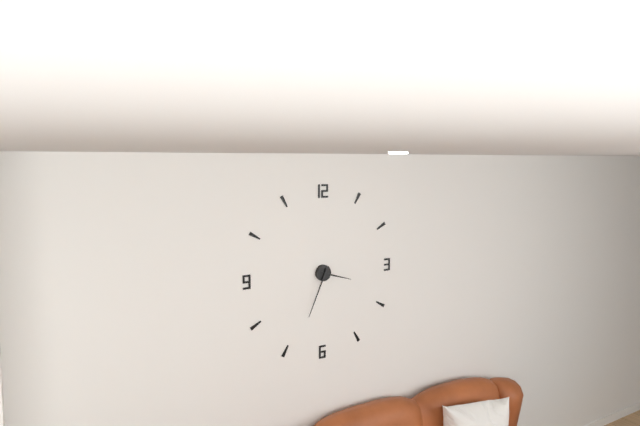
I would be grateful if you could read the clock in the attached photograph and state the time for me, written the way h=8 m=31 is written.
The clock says h=3 m=34
